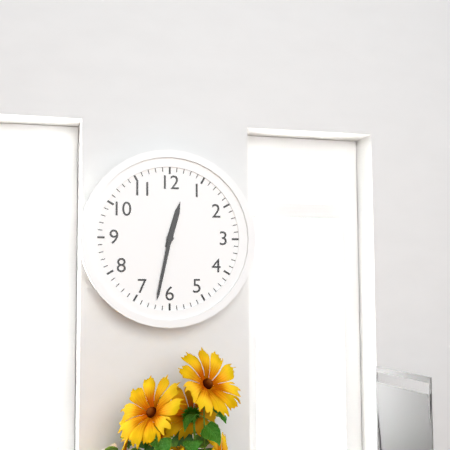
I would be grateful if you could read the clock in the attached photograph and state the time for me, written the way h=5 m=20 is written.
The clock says h=12 m=32
